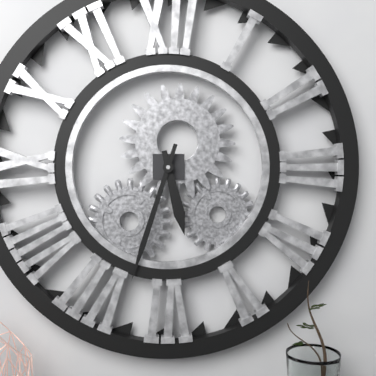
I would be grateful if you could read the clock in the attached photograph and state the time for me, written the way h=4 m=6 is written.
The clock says h=5 m=33
